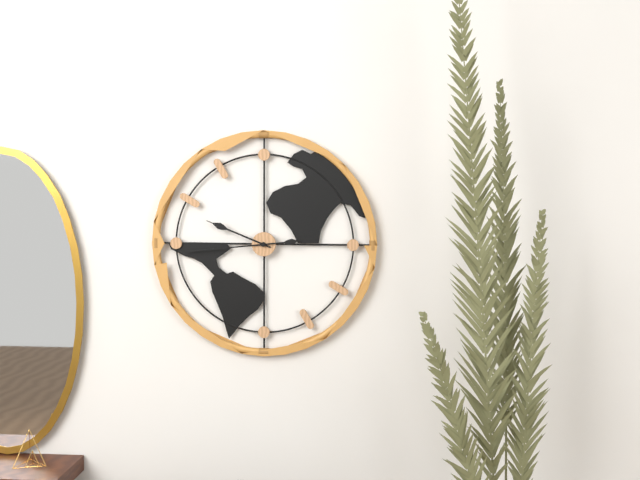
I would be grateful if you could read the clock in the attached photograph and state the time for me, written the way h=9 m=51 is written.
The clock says h=9 m=44
